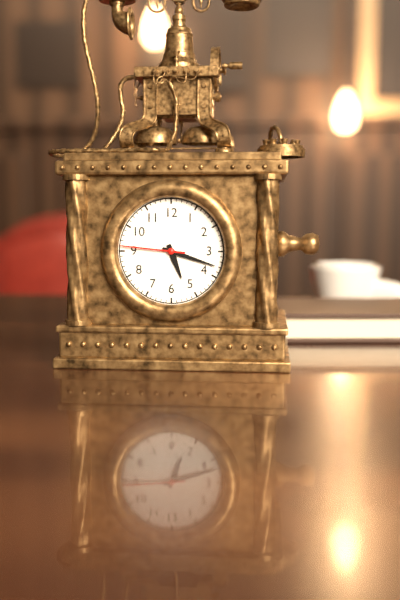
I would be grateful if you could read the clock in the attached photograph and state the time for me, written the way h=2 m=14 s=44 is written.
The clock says h=5 m=18 s=46
